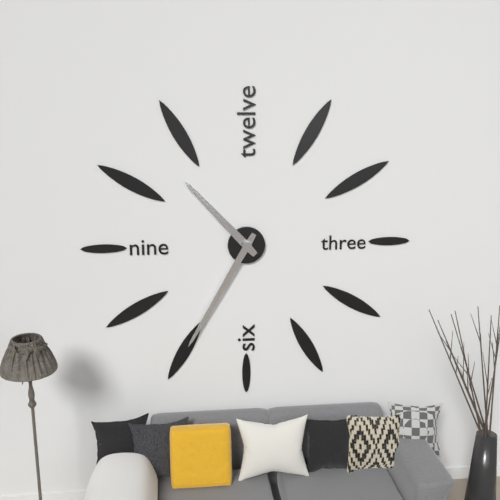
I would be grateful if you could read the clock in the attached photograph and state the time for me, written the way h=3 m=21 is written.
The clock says h=10 m=35
